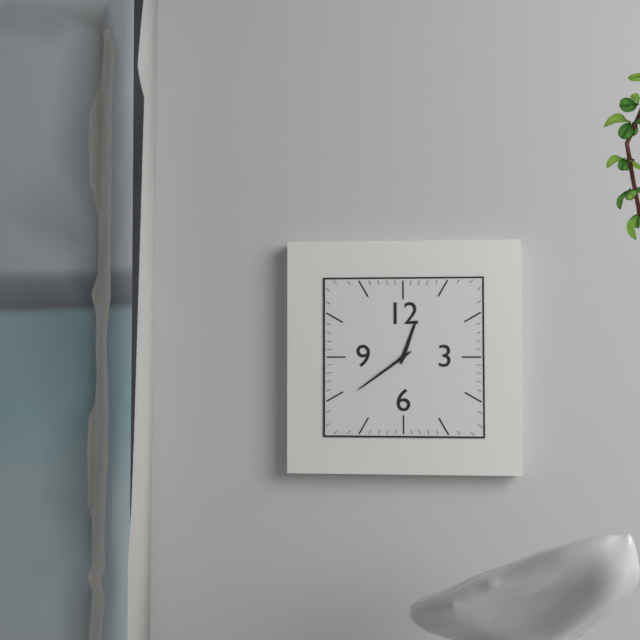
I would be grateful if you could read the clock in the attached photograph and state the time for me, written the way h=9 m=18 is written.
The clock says h=12 m=39
